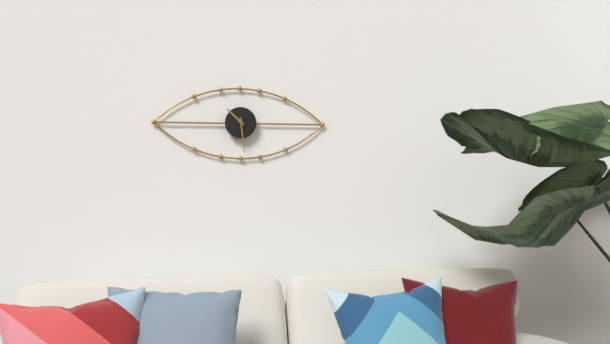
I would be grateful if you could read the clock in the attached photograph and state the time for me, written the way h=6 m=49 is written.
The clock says h=10 m=29
